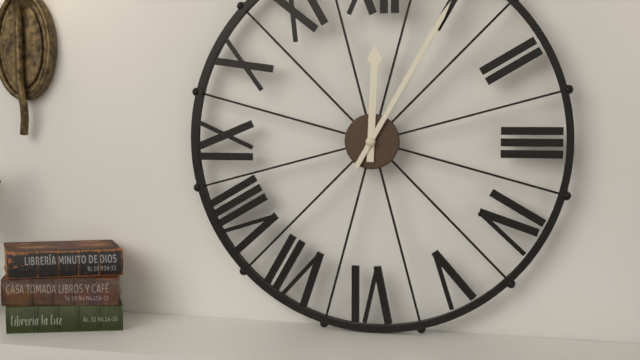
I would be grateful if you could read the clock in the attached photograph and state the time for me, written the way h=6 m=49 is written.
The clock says h=12 m=5
